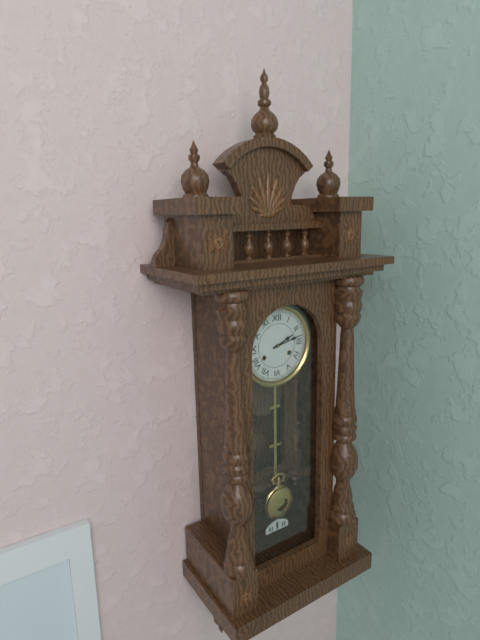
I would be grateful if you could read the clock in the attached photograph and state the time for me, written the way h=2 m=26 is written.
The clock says h=2 m=13
